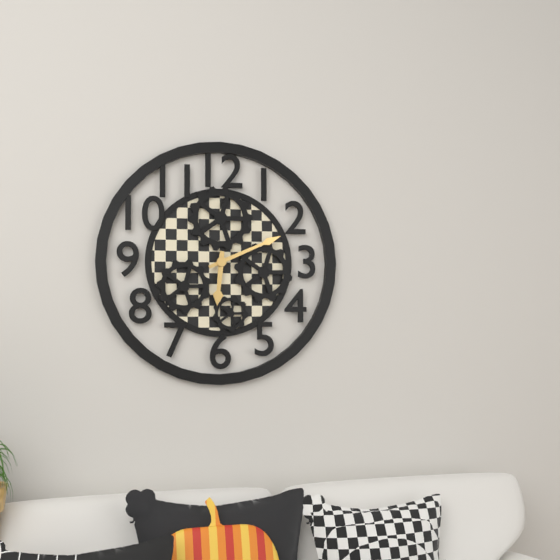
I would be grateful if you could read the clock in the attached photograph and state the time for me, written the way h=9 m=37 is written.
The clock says h=6 m=11
